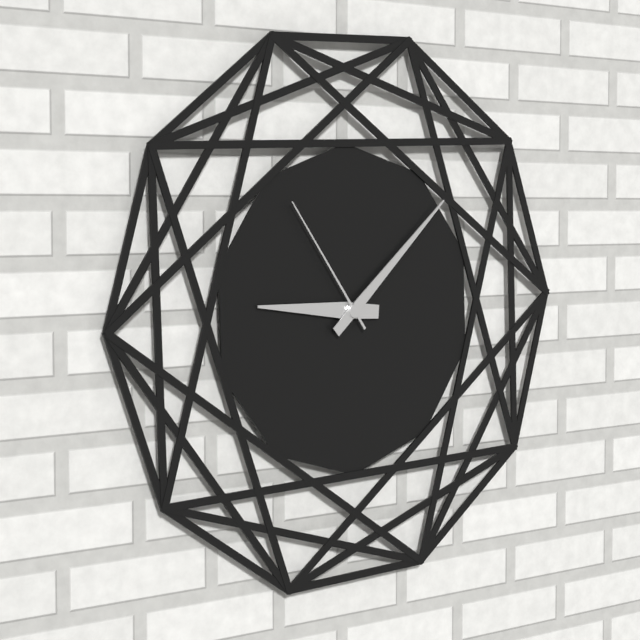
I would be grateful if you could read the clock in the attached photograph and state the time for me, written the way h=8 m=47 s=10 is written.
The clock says h=9 m=8 s=54
